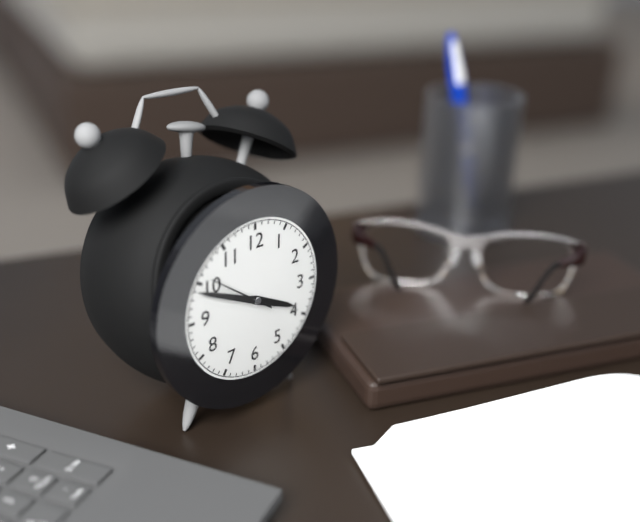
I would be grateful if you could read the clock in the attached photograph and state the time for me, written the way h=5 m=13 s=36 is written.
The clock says h=3 m=49 s=51
